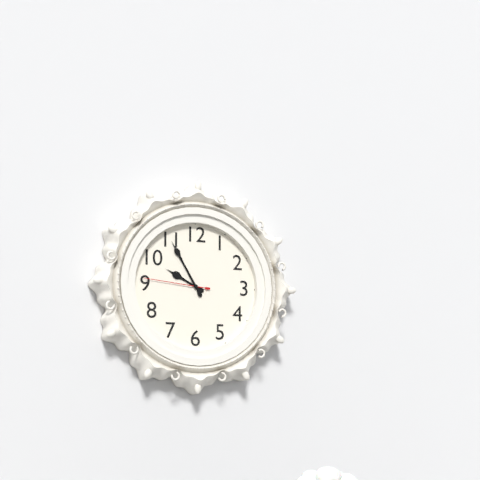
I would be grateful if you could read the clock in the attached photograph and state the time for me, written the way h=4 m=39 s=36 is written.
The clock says h=9 m=55 s=46
